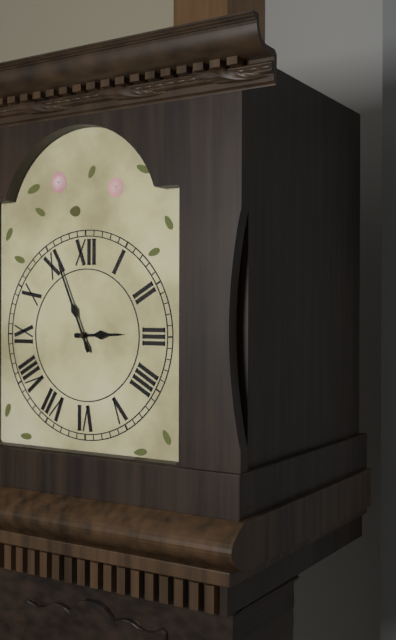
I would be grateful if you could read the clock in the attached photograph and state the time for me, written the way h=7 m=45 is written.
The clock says h=2 m=56
